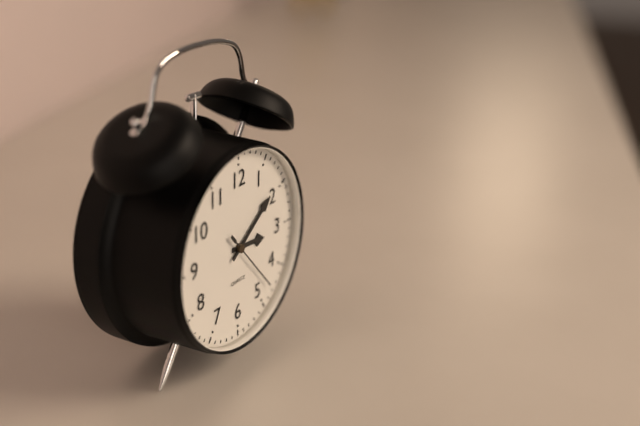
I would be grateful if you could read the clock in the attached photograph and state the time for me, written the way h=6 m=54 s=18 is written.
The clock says h=3 m=9 s=23
